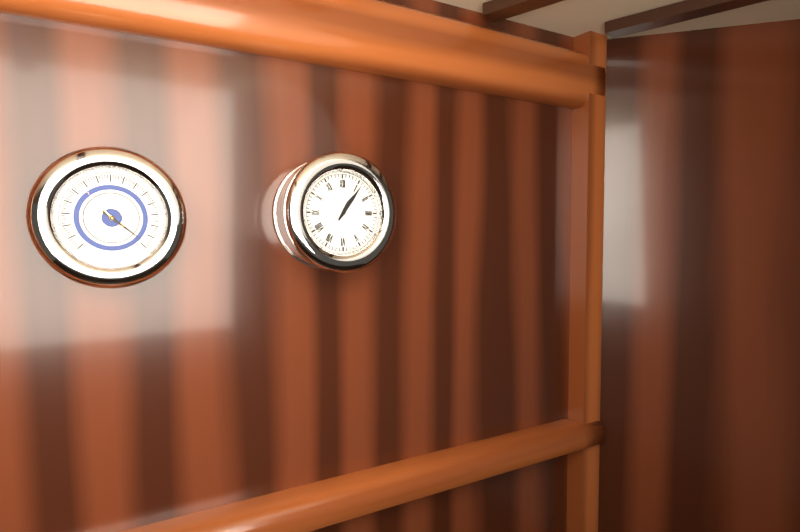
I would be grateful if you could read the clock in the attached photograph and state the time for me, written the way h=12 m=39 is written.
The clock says h=1 m=6
